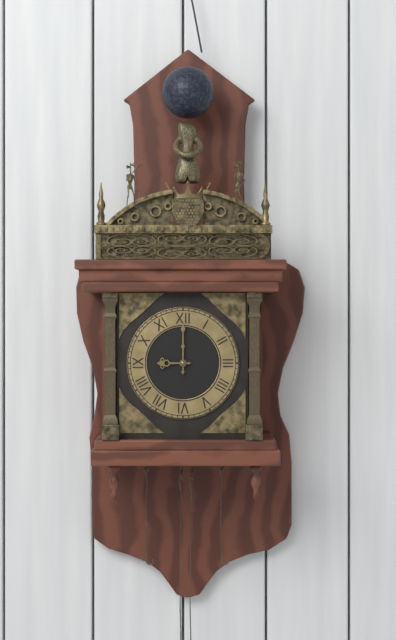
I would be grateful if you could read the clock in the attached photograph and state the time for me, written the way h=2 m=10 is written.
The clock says h=9 m=0
